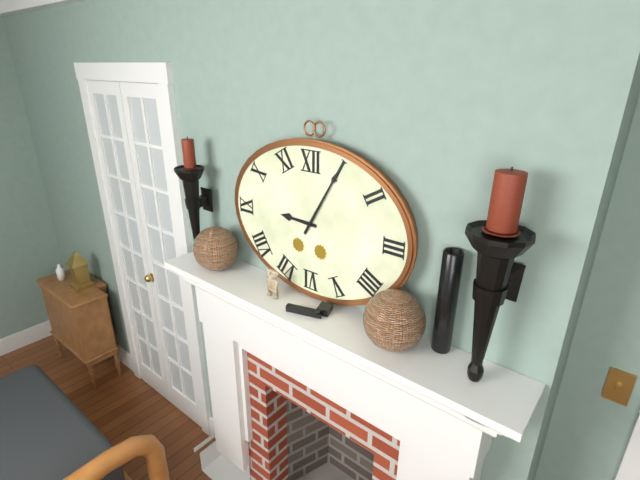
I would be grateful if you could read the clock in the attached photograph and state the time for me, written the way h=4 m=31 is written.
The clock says h=9 m=5
